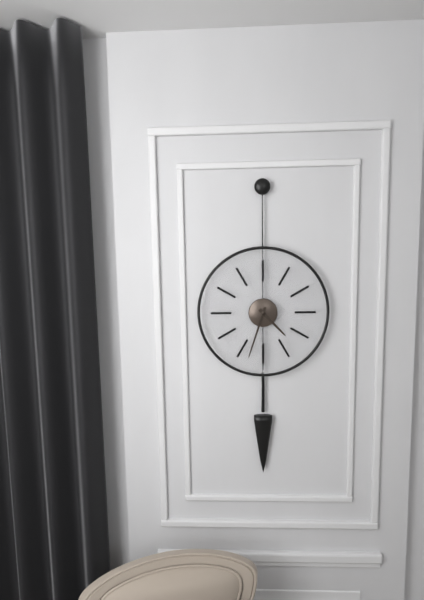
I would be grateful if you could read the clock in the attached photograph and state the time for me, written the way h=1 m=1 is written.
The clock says h=4 m=33
